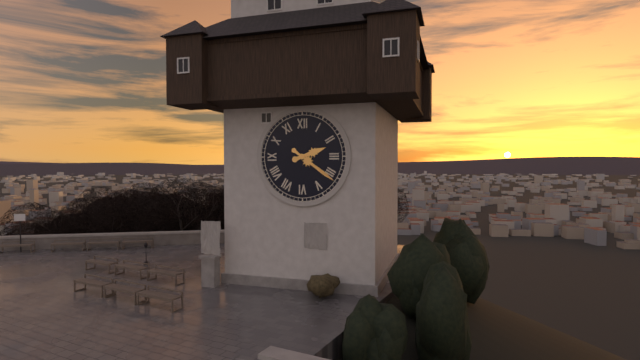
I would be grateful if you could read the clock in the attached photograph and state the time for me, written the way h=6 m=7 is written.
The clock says h=2 m=21
